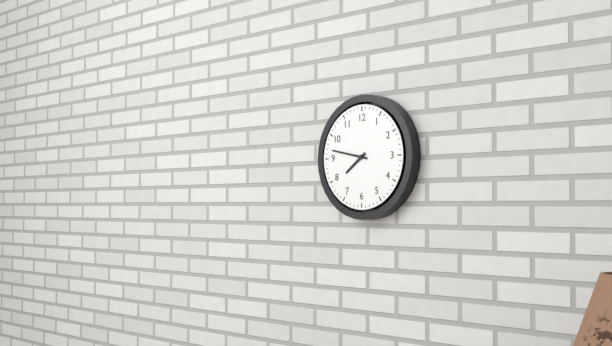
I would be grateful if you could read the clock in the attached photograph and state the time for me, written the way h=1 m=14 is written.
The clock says h=7 m=47
